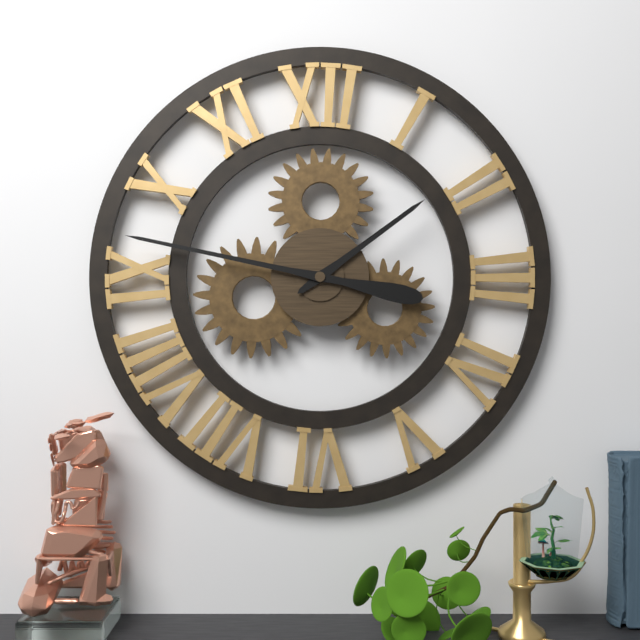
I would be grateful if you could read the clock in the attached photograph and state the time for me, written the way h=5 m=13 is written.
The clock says h=1 m=47
